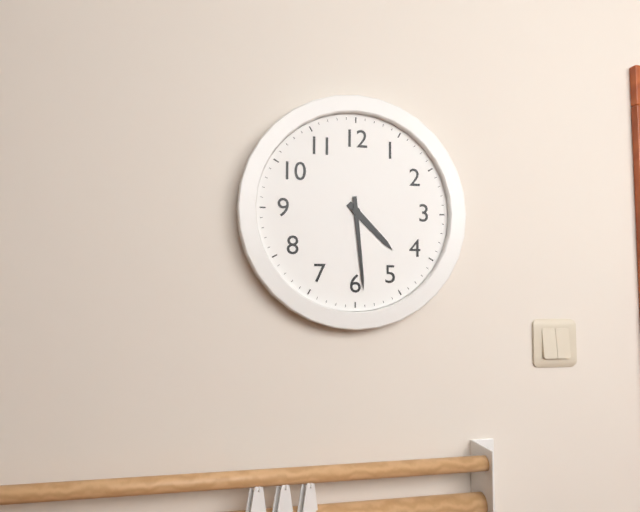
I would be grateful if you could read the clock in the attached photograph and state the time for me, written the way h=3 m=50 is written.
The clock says h=4 m=29
